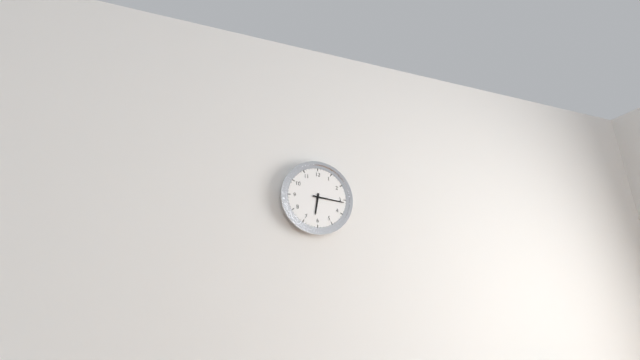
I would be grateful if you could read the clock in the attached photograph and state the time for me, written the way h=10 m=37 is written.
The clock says h=6 m=16
